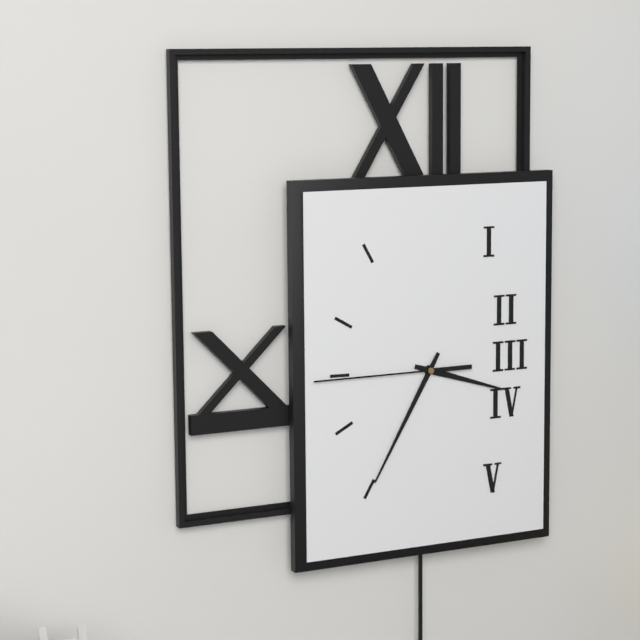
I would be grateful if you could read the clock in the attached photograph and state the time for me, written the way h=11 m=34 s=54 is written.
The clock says h=3 m=35 s=45
